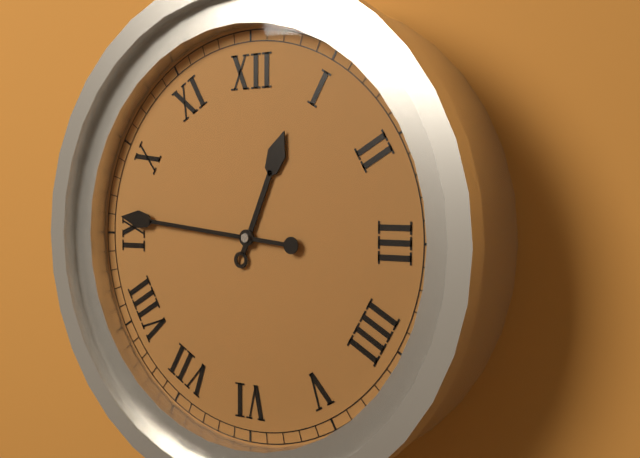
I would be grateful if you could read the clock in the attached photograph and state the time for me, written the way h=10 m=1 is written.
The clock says h=12 m=46
